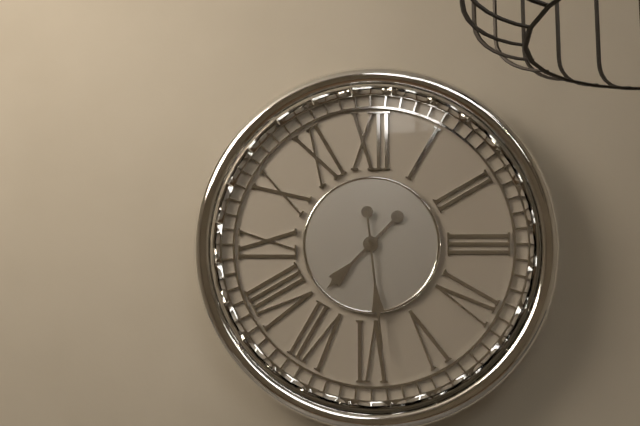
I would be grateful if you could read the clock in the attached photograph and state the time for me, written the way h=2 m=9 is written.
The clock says h=7 m=29
